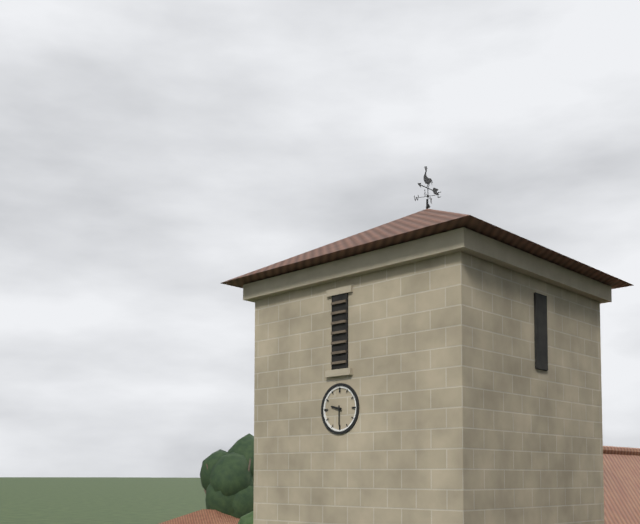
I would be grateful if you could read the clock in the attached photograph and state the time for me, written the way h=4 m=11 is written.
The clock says h=9 m=30
